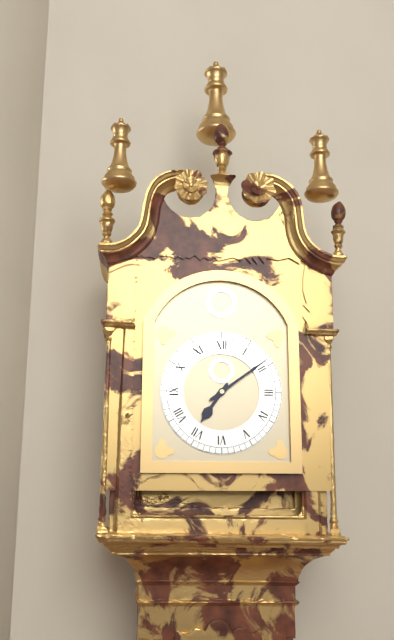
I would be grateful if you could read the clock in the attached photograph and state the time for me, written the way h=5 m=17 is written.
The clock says h=7 m=9
